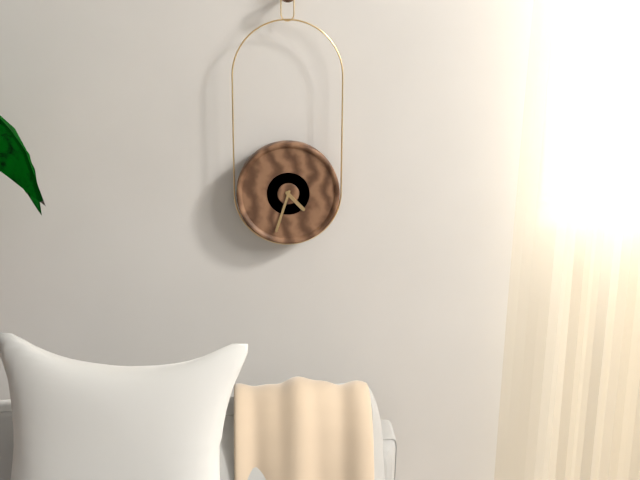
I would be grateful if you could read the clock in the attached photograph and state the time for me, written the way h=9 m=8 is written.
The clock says h=4 m=33
